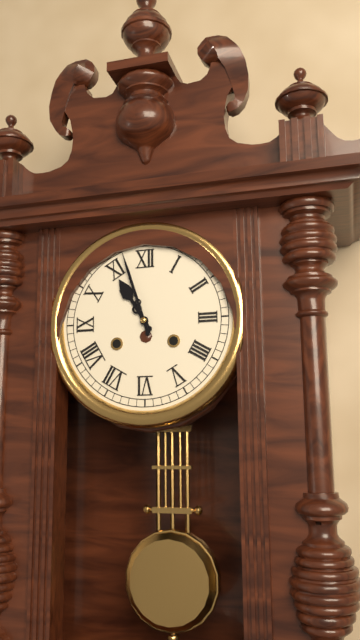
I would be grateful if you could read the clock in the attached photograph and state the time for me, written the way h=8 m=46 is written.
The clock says h=10 m=57
